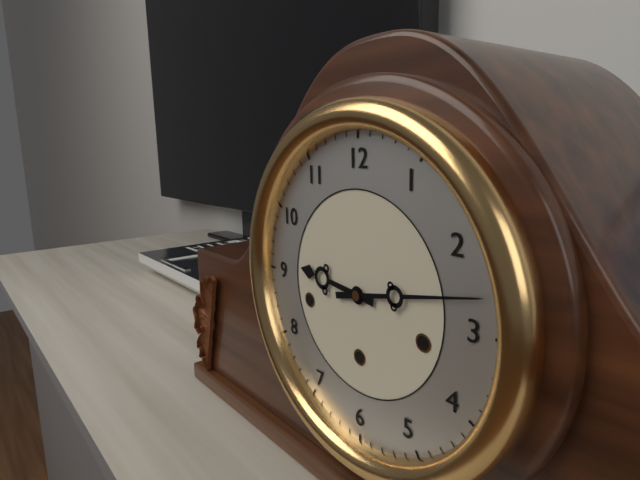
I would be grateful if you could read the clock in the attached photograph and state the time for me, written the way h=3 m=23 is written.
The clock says h=9 m=13
